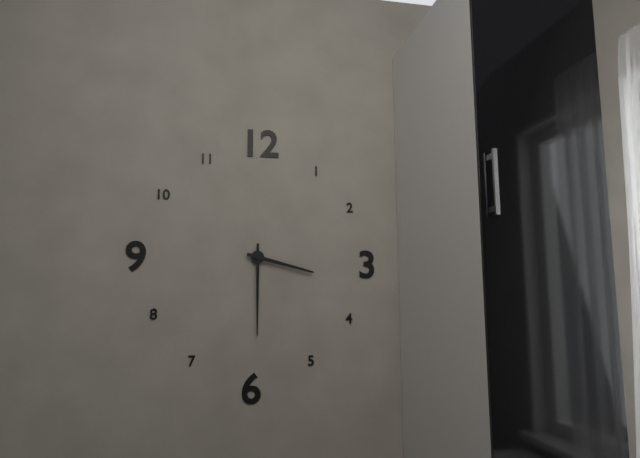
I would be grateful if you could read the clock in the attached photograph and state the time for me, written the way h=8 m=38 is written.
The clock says h=3 m=30
